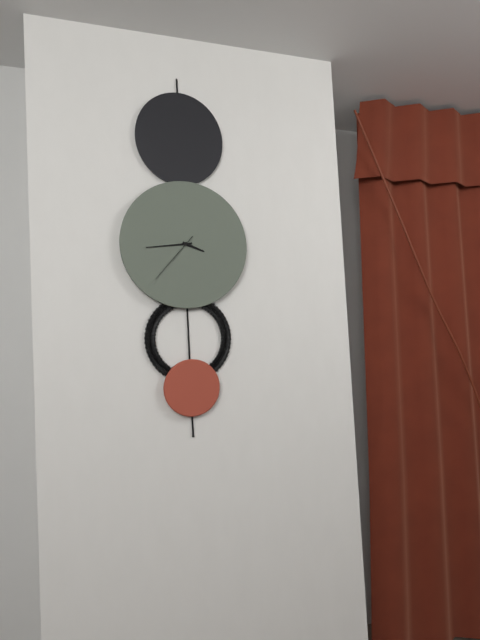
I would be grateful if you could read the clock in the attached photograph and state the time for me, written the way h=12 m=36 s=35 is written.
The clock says h=3 m=44 s=37
